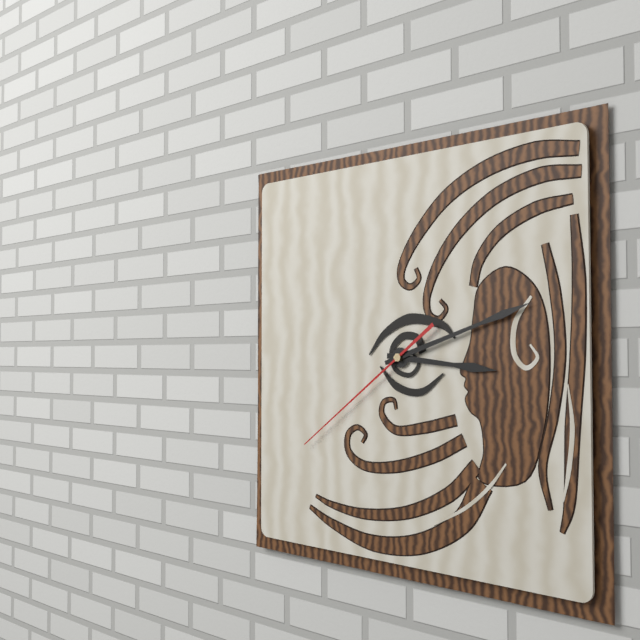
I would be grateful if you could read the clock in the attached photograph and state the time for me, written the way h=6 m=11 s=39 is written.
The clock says h=3 m=12 s=39
